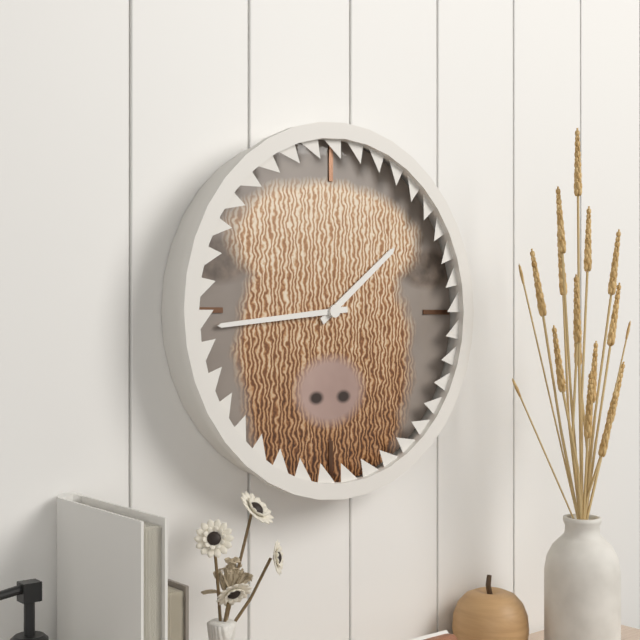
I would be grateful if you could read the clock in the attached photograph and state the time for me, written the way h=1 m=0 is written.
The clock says h=1 m=44
